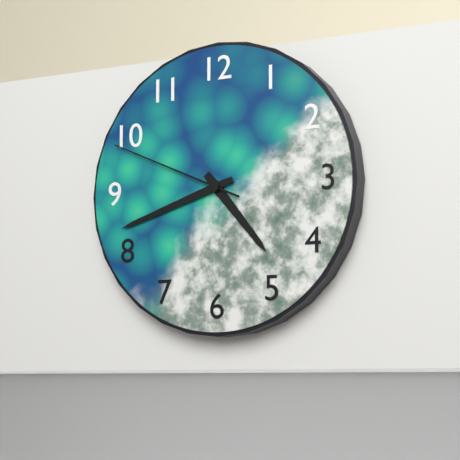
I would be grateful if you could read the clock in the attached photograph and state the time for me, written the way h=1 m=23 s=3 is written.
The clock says h=4 m=42 s=49
